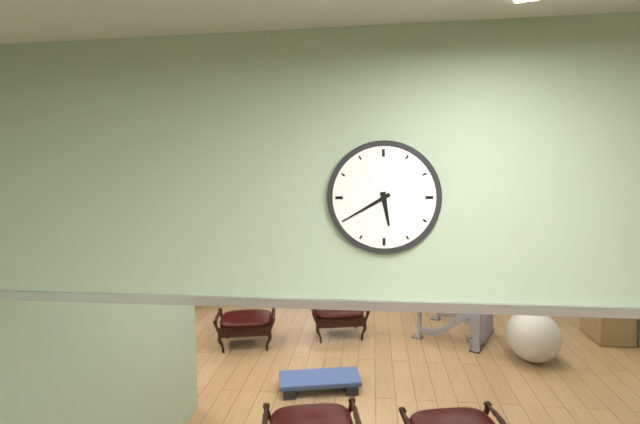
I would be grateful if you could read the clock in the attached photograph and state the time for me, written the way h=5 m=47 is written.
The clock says h=5 m=40
